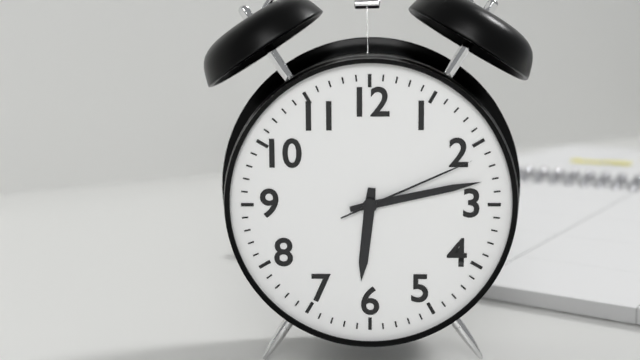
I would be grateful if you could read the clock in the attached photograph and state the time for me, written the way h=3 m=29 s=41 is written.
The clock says h=6 m=13 s=11
